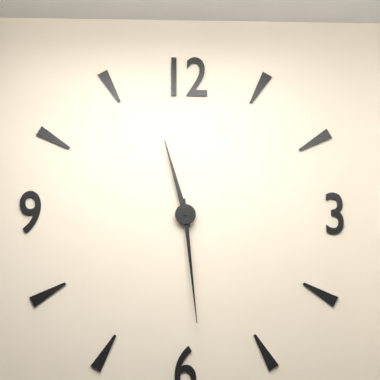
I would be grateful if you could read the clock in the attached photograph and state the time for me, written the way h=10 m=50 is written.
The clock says h=11 m=29
